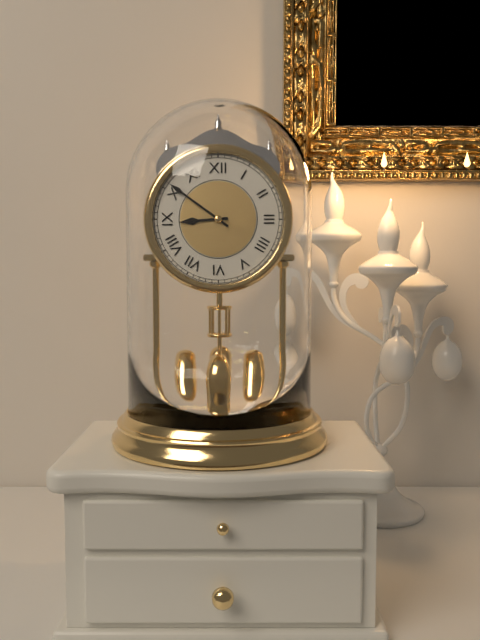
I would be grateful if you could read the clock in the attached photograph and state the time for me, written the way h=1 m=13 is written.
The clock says h=8 m=51
